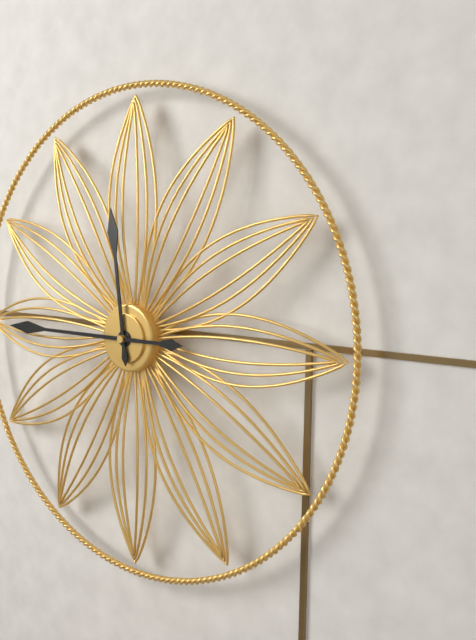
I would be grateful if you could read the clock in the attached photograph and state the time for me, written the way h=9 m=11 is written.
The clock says h=11 m=45
